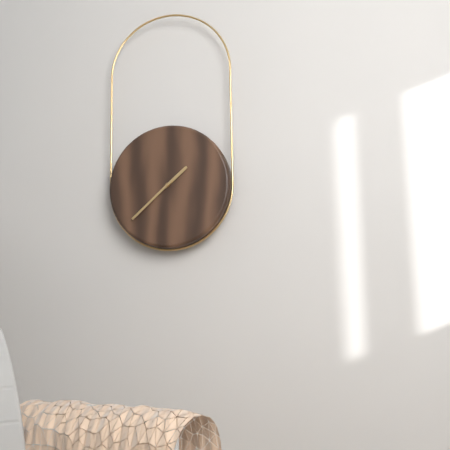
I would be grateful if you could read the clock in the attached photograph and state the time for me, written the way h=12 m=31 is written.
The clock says h=1 m=38
